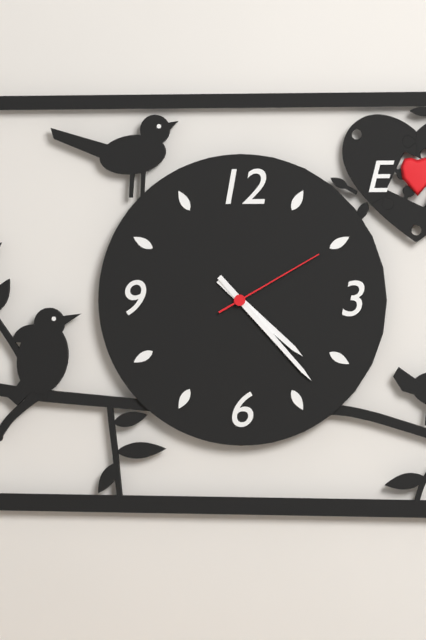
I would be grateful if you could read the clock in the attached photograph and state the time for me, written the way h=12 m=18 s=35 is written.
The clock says h=4 m=23 s=10
